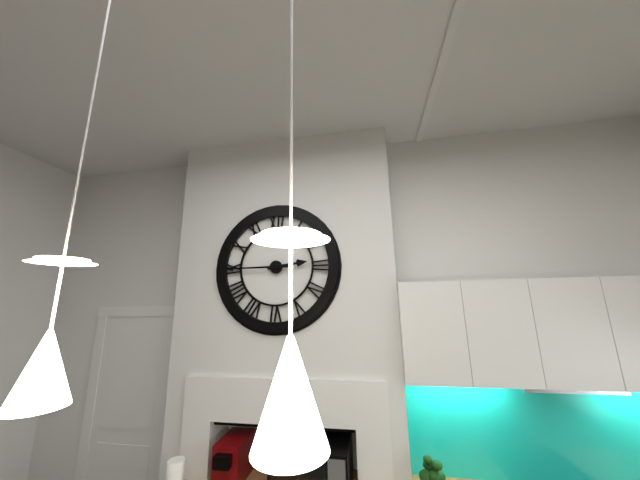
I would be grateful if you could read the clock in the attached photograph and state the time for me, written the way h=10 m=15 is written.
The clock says h=2 m=45
